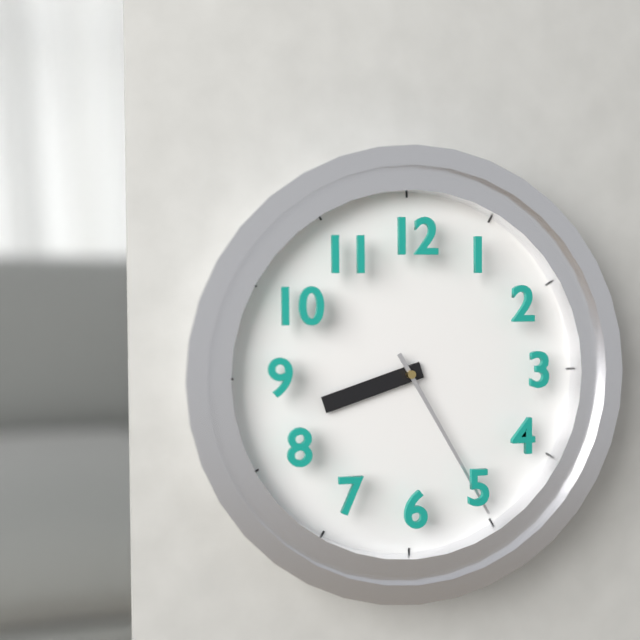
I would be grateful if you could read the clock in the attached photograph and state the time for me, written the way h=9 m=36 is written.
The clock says h=8 m=25
